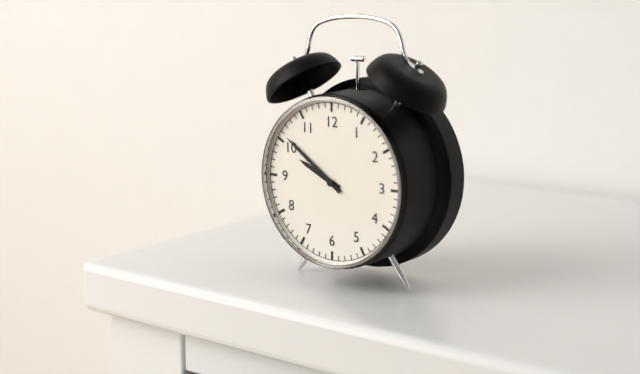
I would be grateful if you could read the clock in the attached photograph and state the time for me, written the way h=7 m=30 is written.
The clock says h=9 m=51
